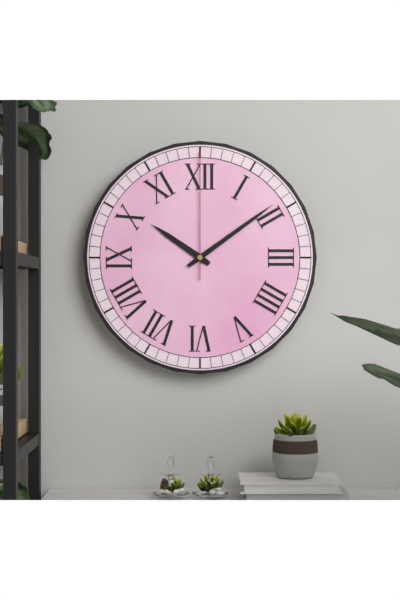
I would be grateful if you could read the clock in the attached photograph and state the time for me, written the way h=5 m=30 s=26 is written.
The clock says h=10 m=9 s=0
